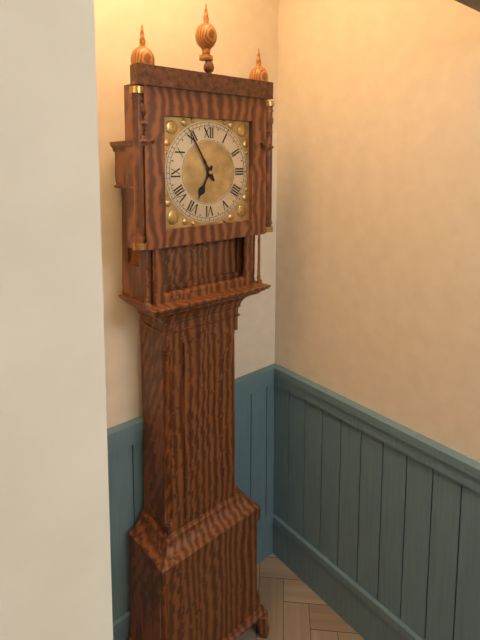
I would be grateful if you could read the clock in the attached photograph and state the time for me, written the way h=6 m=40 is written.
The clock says h=6 m=55
